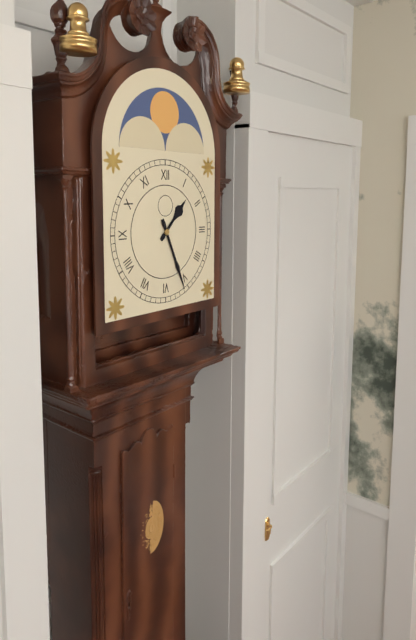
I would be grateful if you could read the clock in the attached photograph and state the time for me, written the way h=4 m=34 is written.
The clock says h=1 m=26
